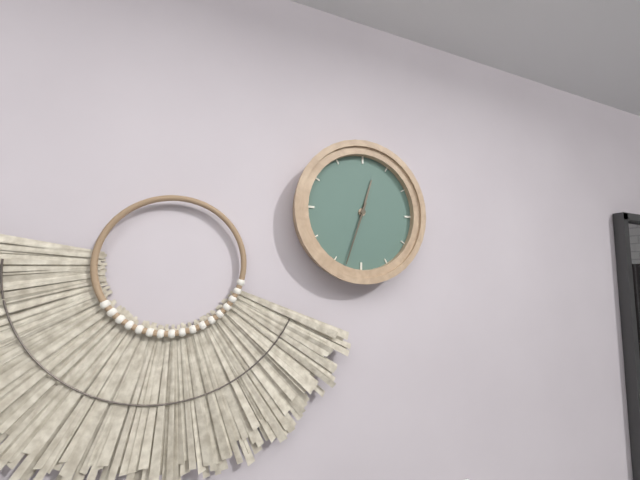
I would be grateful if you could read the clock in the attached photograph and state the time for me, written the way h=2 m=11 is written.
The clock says h=12 m=33
